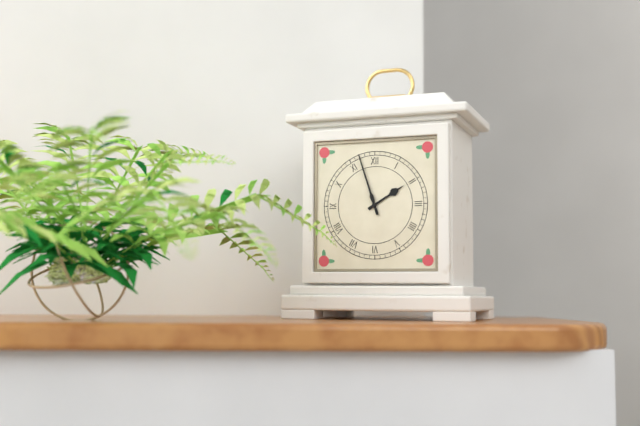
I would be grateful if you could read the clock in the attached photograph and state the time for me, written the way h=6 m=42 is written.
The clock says h=1 m=57
